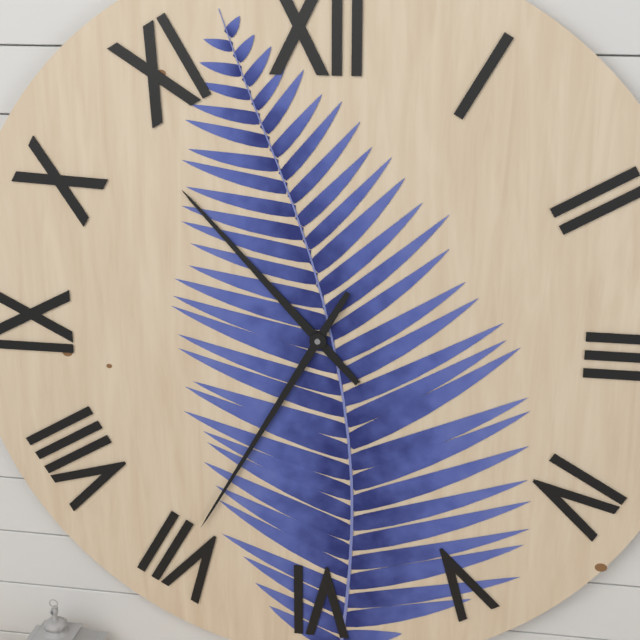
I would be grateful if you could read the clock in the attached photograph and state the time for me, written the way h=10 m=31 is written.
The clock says h=10 m=35
